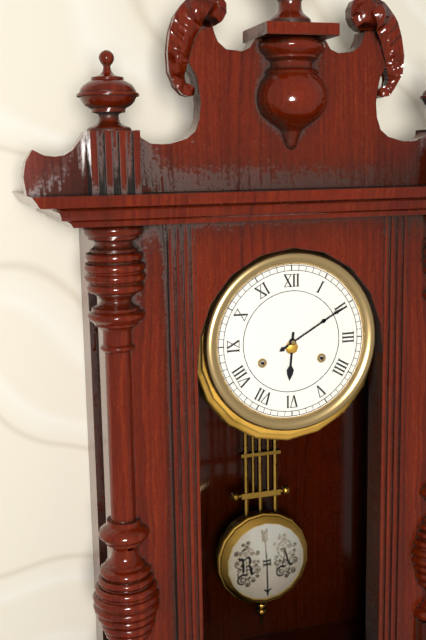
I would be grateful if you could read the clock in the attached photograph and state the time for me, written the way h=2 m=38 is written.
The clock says h=6 m=10
